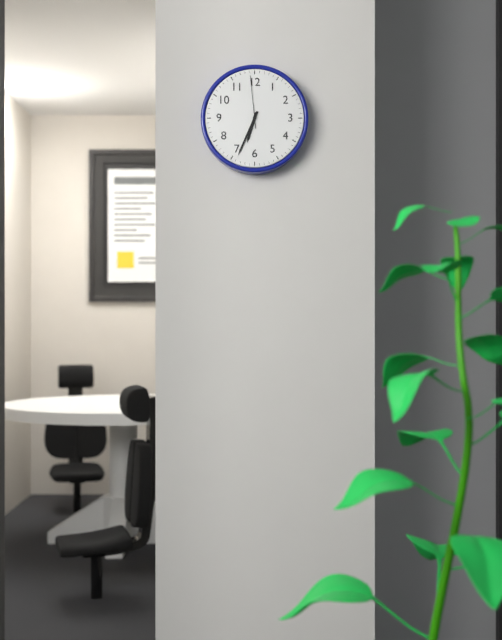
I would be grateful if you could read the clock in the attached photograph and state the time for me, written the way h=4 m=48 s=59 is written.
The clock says h=6 m=34 s=59
